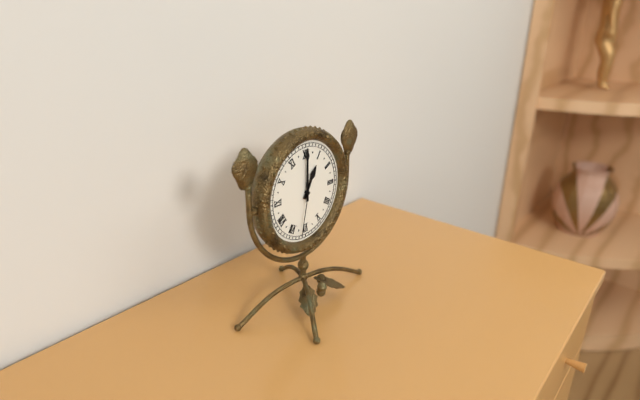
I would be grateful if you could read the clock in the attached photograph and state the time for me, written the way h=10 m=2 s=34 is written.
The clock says h=1 m=0 s=32
